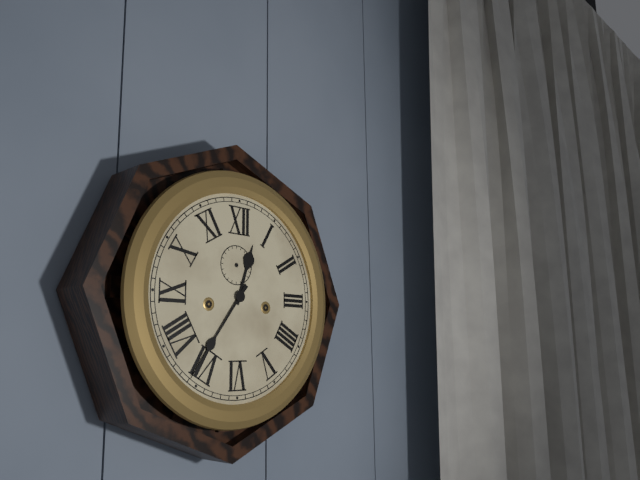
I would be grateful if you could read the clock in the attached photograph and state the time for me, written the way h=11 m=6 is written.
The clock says h=12 m=36
